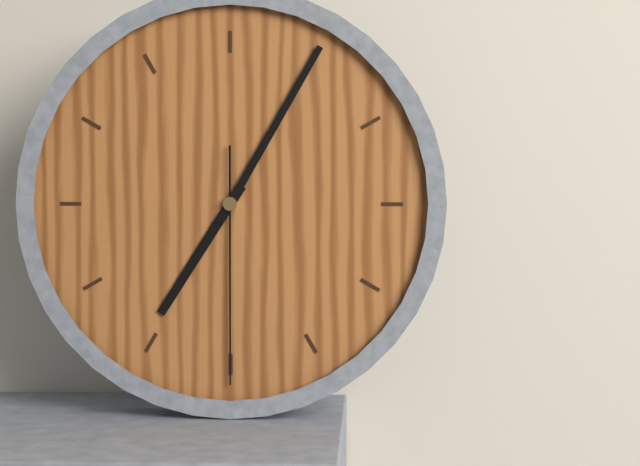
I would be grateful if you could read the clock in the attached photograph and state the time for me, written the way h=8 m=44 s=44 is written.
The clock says h=7 m=5 s=30
